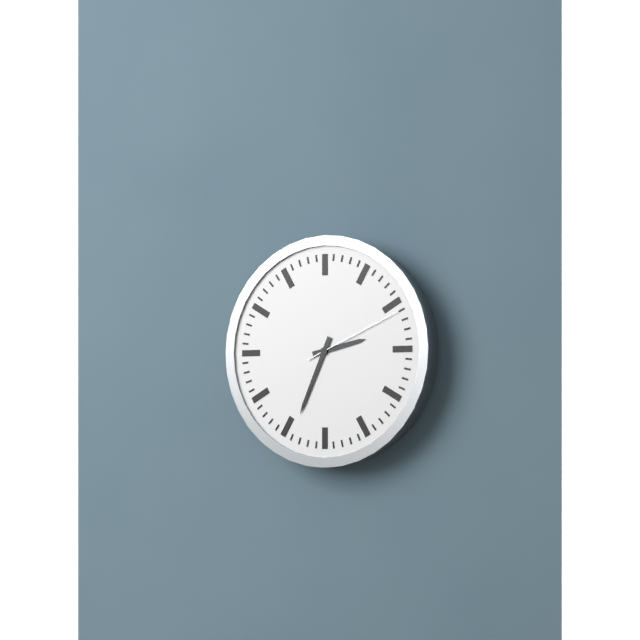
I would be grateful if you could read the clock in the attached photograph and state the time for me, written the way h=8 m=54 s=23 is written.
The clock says h=2 m=34 s=11
